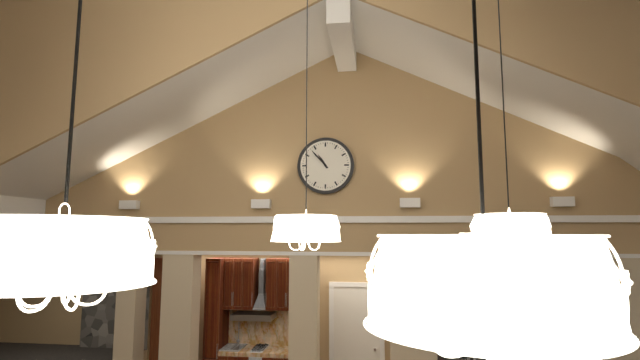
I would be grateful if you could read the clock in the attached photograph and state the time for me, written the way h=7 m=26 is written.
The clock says h=10 m=53
